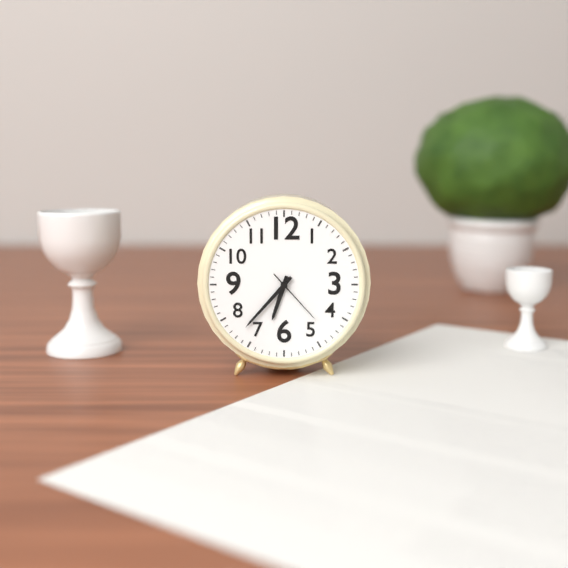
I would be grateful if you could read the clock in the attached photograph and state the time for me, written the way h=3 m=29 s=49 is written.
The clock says h=6 m=37 s=23
